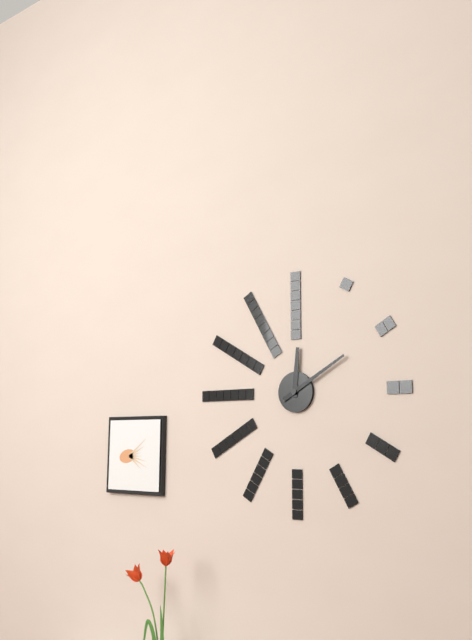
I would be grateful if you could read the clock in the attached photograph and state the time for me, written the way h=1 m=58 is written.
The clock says h=12 m=10
